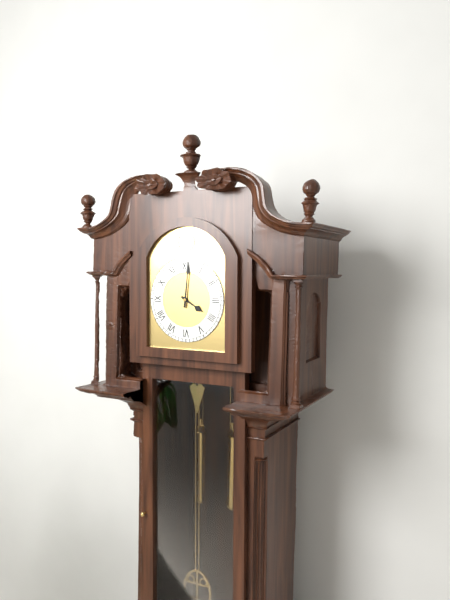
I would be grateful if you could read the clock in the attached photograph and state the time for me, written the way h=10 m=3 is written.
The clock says h=4 m=1
